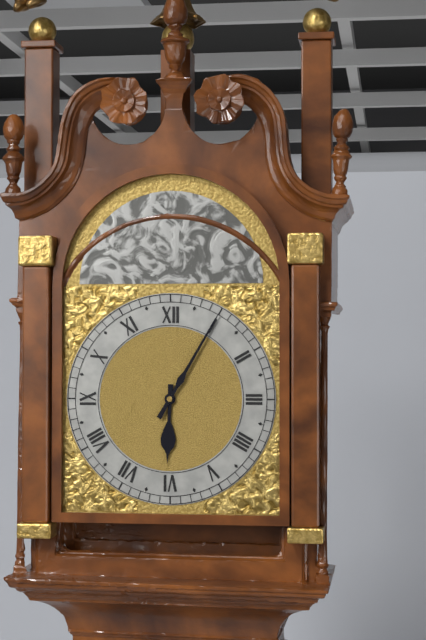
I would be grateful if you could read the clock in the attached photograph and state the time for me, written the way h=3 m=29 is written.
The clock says h=6 m=5
